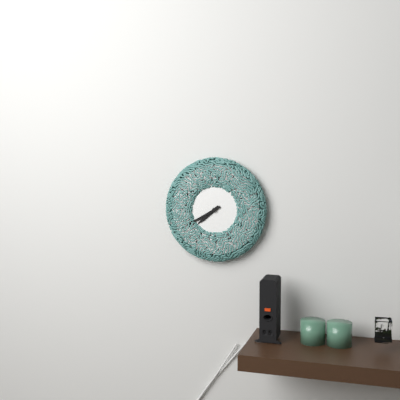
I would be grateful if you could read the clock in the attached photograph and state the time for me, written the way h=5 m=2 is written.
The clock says h=7 m=40
